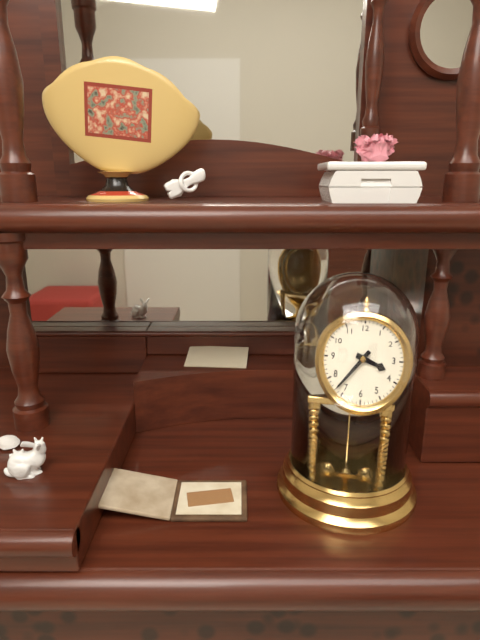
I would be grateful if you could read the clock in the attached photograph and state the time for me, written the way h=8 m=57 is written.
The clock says h=3 m=37
